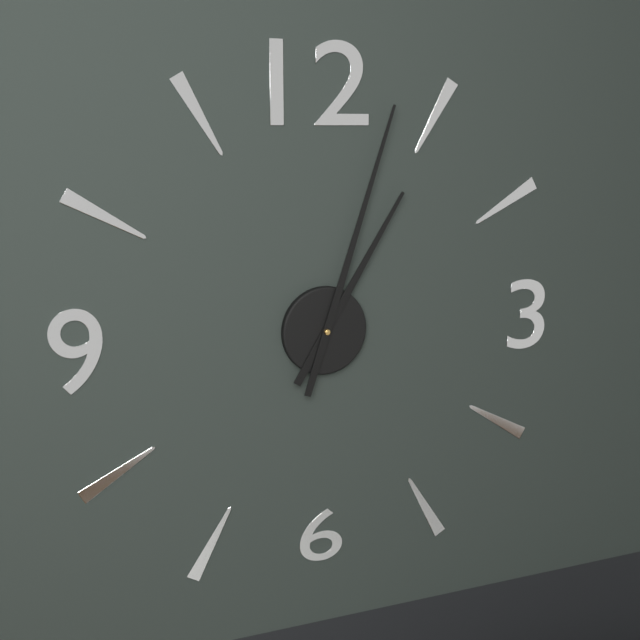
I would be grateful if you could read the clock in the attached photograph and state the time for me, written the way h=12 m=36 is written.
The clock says h=1 m=3
